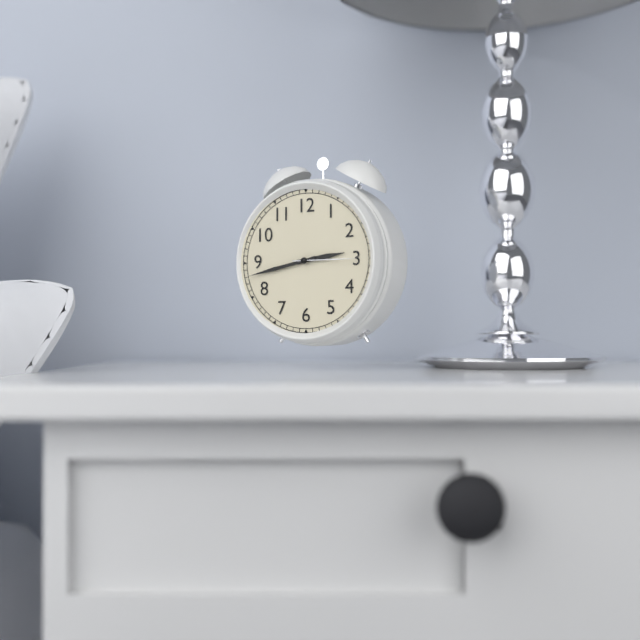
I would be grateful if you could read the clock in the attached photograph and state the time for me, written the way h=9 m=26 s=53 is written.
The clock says h=2 m=43 s=15
